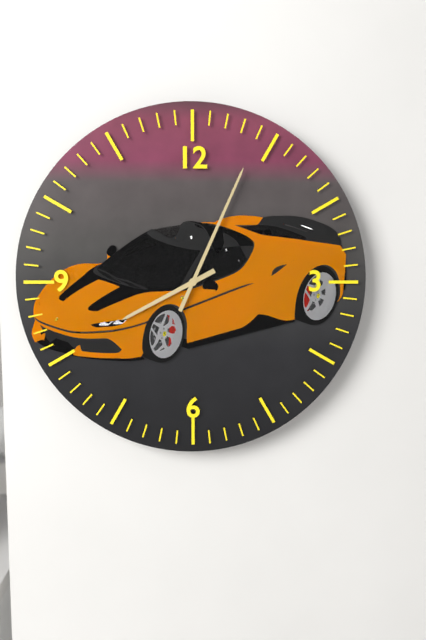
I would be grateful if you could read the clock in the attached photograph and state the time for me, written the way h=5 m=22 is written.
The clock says h=8 m=4
